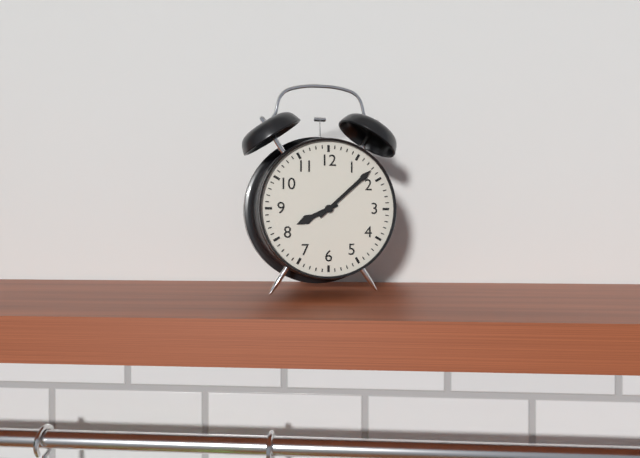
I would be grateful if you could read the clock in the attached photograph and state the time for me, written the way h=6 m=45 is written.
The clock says h=8 m=8
